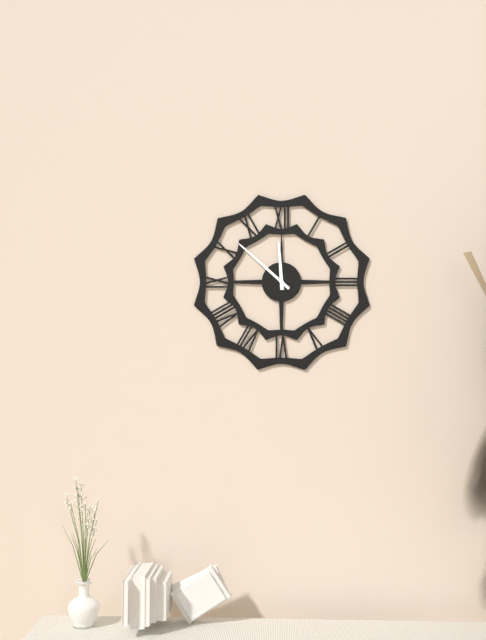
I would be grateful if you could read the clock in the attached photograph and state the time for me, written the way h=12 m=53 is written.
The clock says h=11 m=52
